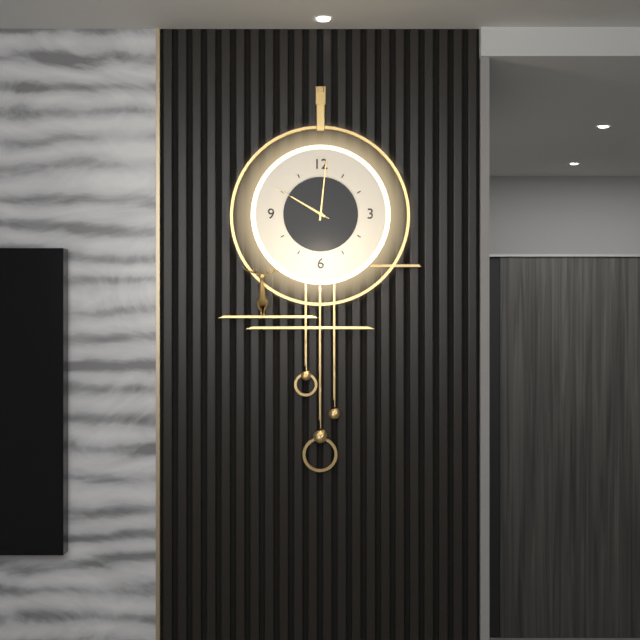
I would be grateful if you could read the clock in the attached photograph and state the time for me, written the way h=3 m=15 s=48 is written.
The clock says h=10 m=1 s=50
